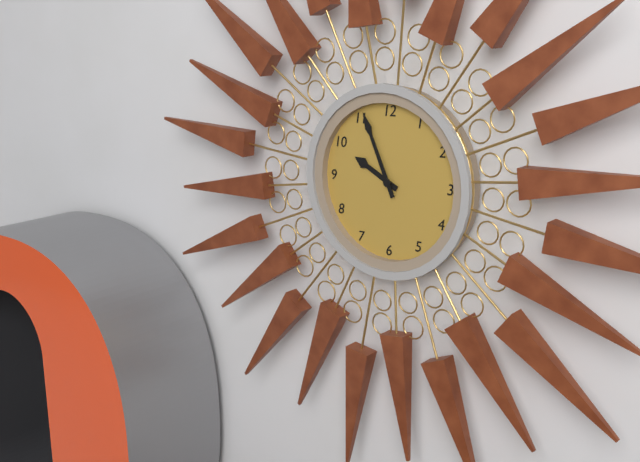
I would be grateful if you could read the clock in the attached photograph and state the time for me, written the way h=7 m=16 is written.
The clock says h=9 m=56
